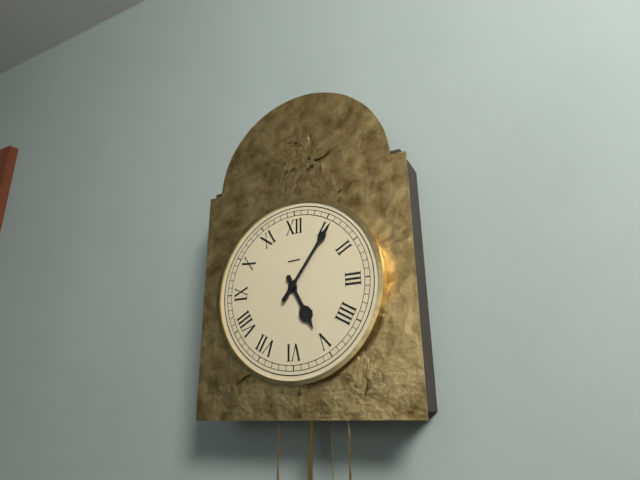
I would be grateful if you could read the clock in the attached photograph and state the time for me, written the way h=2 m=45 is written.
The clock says h=5 m=6
